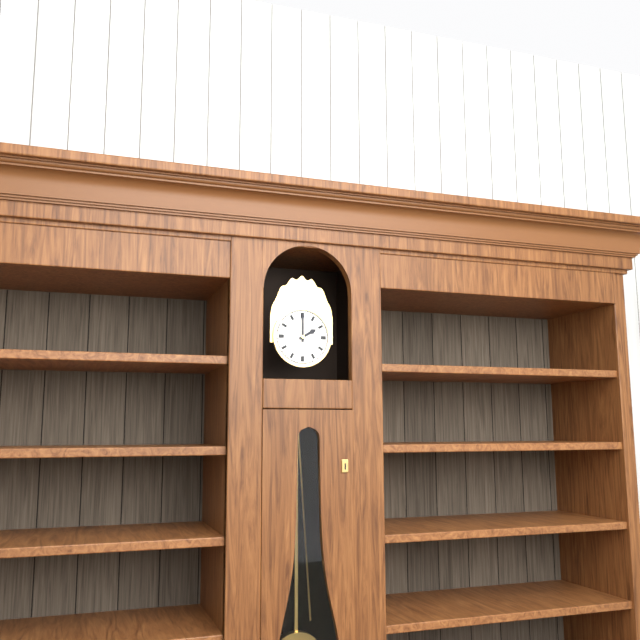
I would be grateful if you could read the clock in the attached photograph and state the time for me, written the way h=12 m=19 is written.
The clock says h=2 m=0
